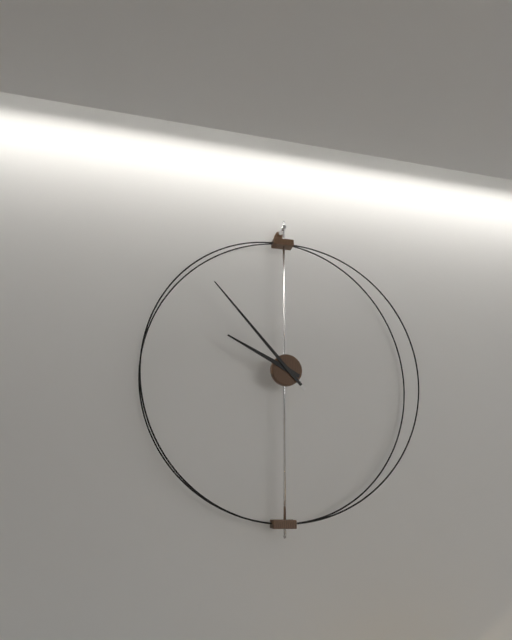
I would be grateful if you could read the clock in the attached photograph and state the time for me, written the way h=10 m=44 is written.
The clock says h=9 m=53
